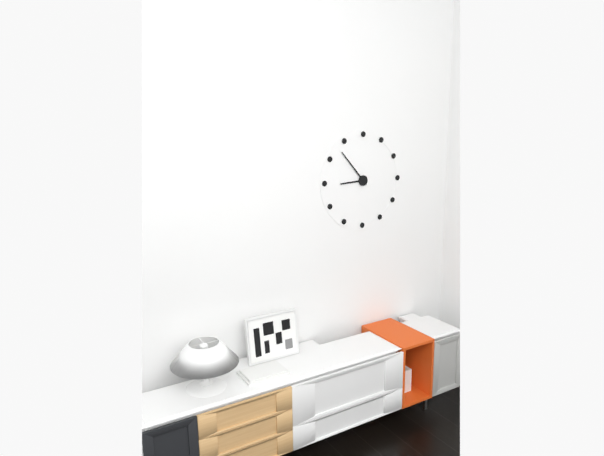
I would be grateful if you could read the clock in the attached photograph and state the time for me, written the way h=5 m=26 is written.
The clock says h=8 m=53
